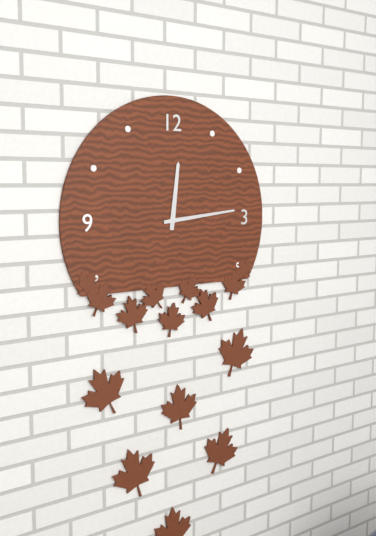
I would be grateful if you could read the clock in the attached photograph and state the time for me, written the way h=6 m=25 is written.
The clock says h=12 m=14
